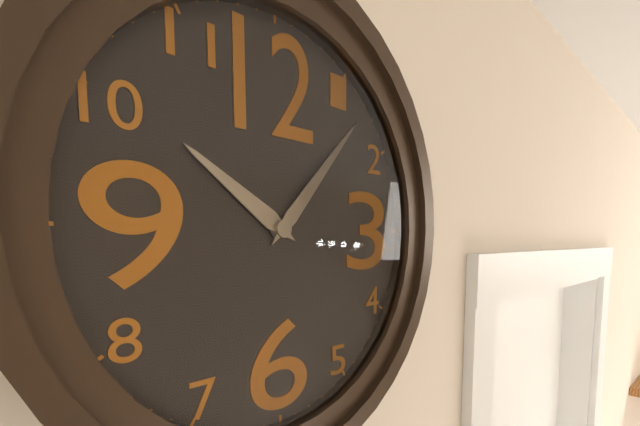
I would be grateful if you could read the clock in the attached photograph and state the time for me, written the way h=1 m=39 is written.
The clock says h=10 m=7
